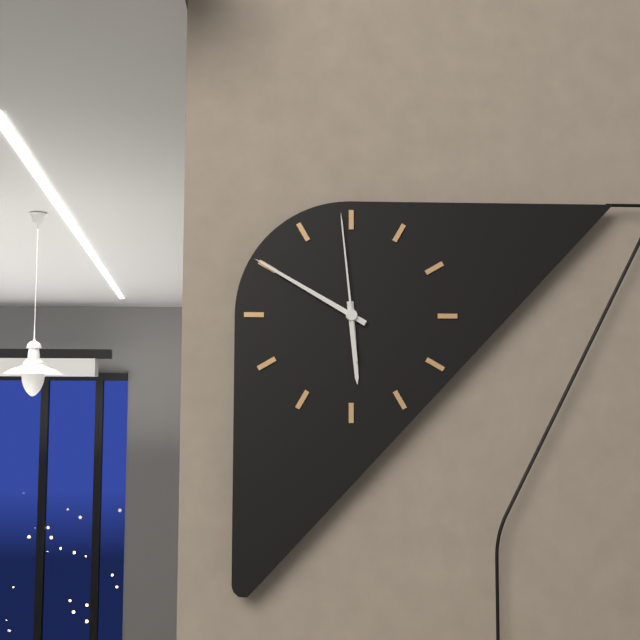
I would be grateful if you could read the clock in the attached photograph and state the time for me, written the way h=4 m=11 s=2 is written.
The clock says h=5 m=50 s=59
